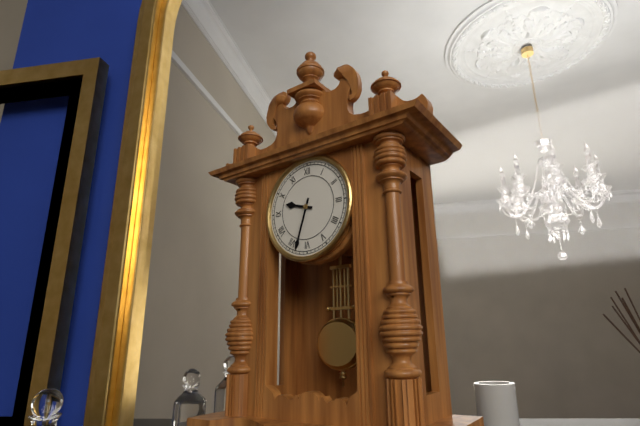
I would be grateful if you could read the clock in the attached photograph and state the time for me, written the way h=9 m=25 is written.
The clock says h=9 m=33
